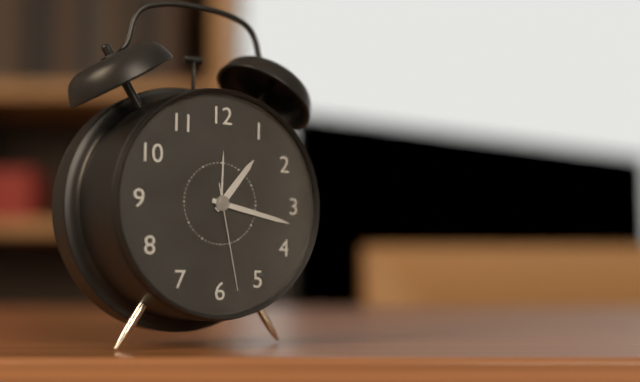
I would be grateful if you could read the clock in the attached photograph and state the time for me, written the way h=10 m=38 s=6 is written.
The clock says h=1 m=17 s=28
